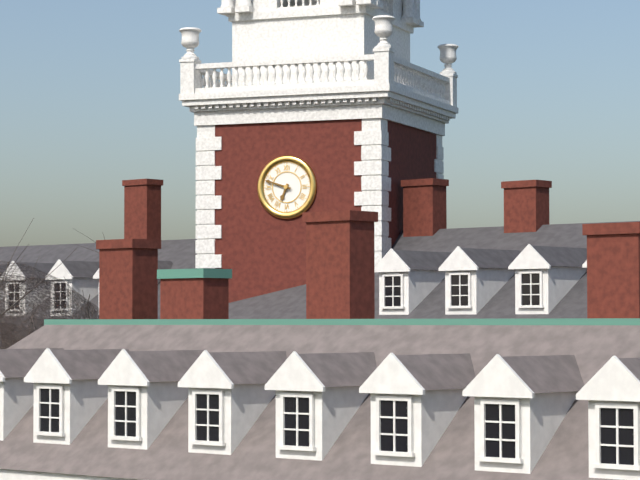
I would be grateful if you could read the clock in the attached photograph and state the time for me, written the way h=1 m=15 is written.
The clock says h=6 m=48
